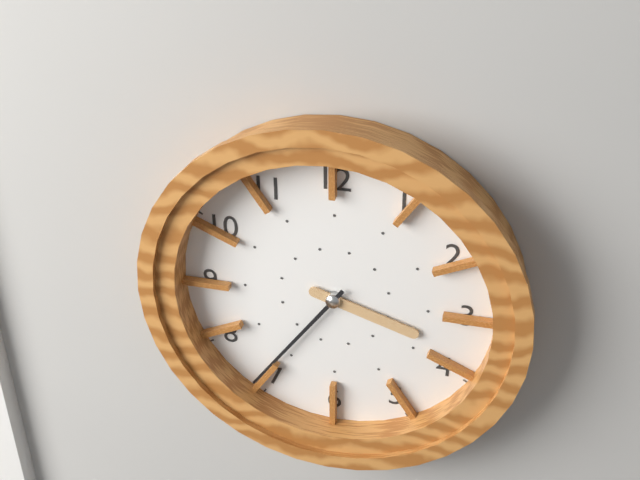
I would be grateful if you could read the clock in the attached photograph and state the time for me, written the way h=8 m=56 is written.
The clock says h=3 m=36
